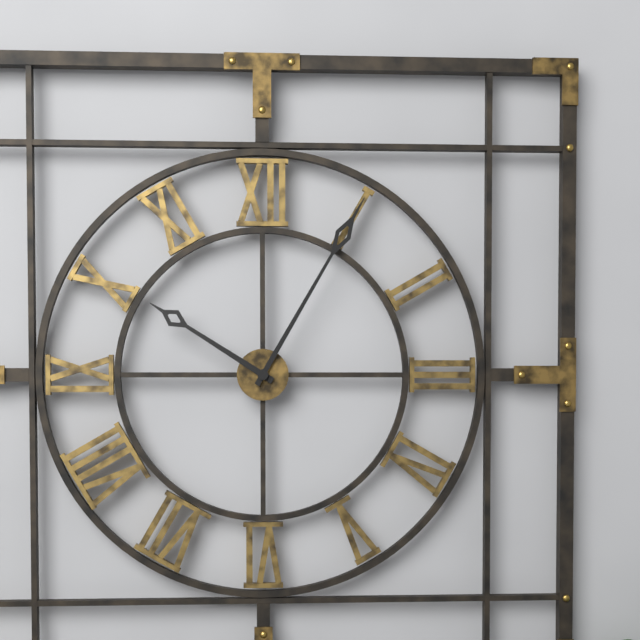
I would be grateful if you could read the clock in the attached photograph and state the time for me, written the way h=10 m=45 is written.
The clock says h=10 m=5
